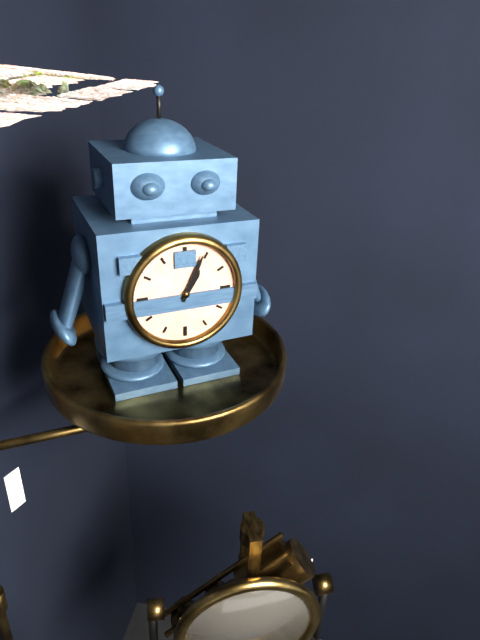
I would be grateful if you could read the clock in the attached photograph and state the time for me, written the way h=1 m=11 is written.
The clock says h=1 m=4
